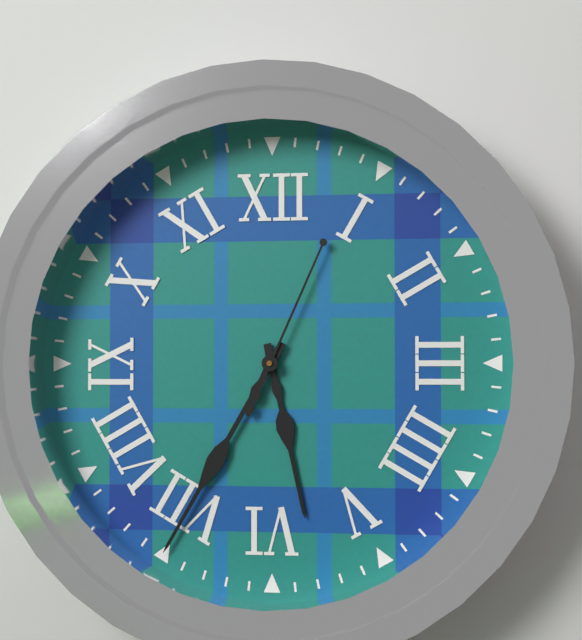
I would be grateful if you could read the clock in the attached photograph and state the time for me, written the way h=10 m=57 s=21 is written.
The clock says h=5 m=35 s=4
